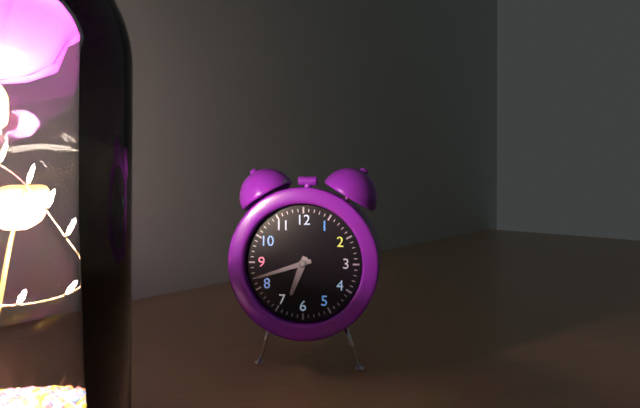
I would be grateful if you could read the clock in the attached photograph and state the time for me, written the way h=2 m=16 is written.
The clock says h=6 m=42
